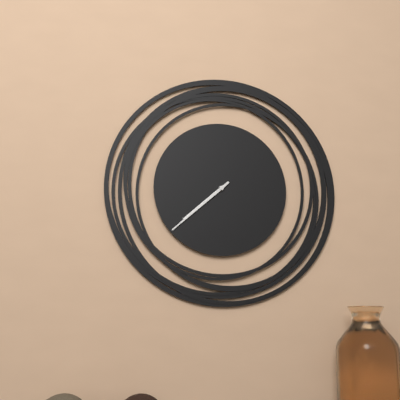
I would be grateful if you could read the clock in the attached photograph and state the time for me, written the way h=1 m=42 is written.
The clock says h=7 m=38
